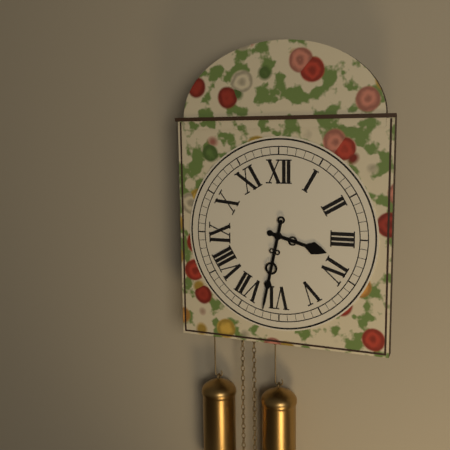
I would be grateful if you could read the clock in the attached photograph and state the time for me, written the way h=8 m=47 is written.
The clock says h=3 m=32
